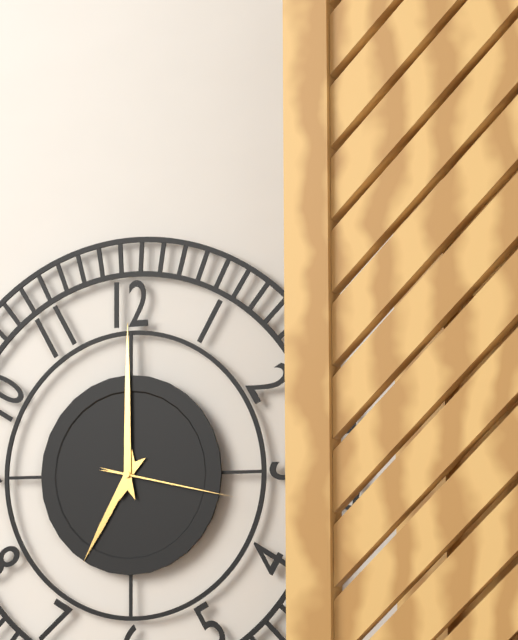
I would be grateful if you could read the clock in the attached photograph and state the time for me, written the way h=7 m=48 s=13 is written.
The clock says h=7 m=0 s=17
